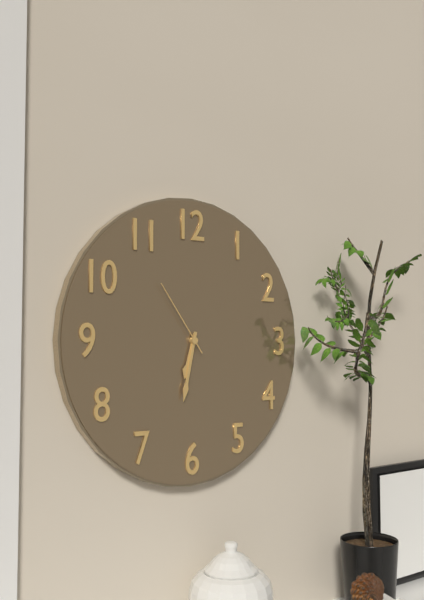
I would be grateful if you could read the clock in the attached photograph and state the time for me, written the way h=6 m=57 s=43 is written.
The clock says h=6 m=32 s=54
